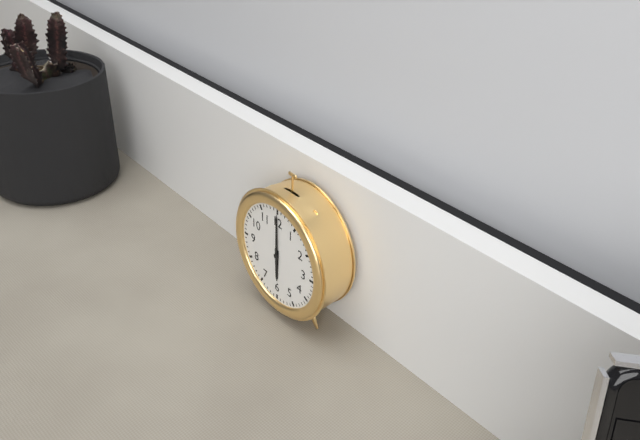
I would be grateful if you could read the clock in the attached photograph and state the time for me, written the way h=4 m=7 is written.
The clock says h=6 m=0
